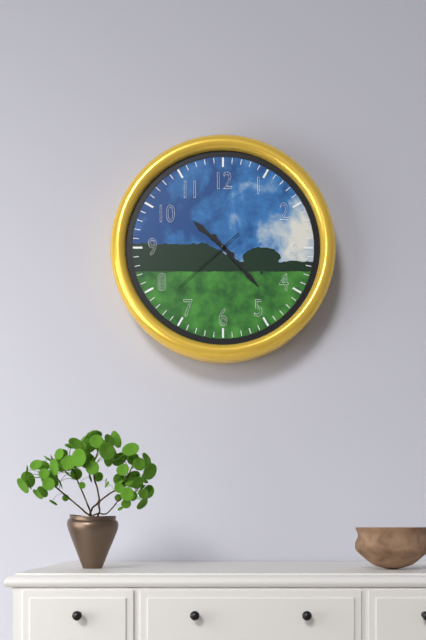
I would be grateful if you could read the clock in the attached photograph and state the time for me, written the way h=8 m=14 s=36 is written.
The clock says h=10 m=23 s=38
